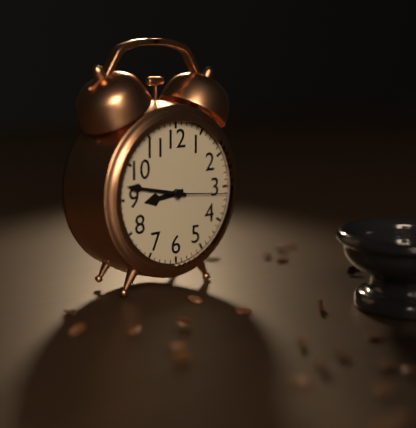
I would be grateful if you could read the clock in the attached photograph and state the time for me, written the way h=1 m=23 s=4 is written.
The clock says h=8 m=47 s=16
